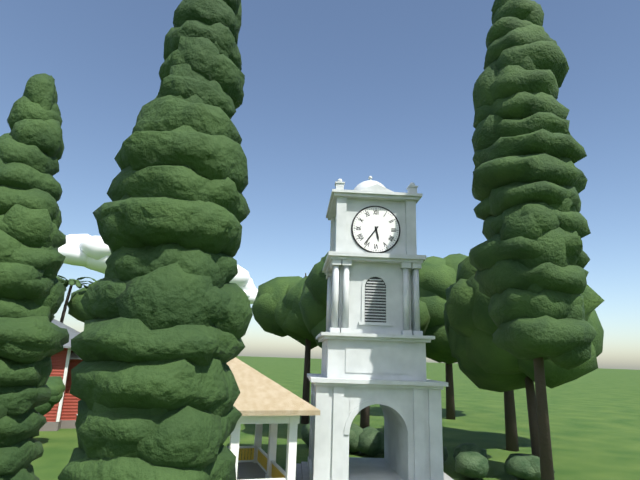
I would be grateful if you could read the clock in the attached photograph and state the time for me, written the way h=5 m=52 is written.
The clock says h=5 m=36
